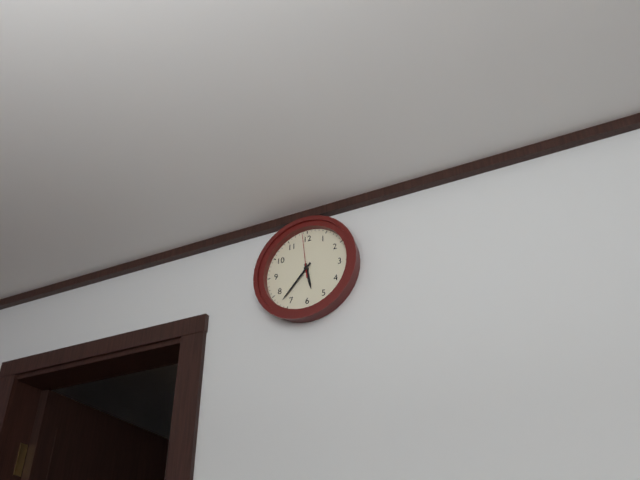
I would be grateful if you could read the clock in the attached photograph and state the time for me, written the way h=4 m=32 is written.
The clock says h=5 m=37
